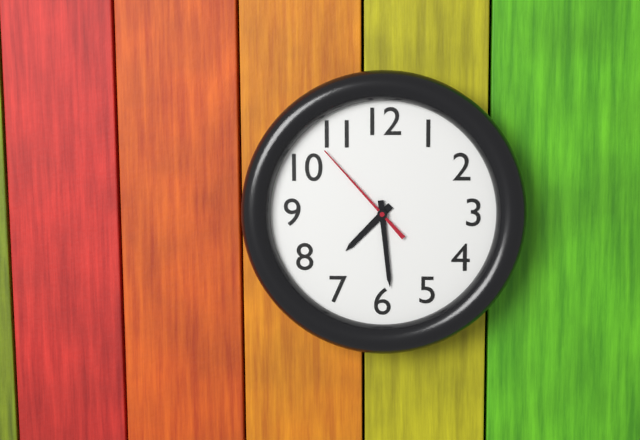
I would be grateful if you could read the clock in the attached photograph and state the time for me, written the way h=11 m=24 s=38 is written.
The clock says h=7 m=29 s=53
